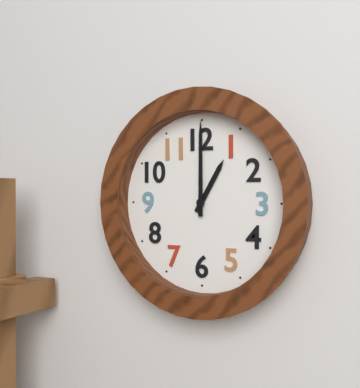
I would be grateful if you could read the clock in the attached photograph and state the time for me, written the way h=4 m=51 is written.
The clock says h=1 m=0
